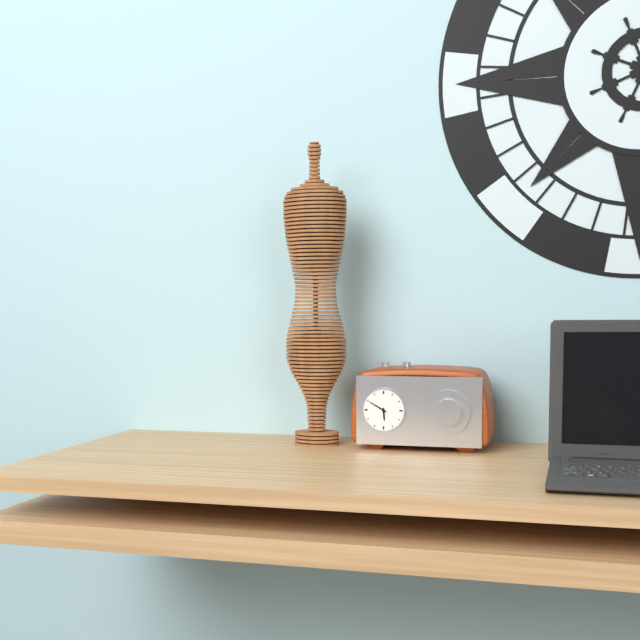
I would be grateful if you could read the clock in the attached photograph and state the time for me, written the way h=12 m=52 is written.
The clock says h=5 m=50
